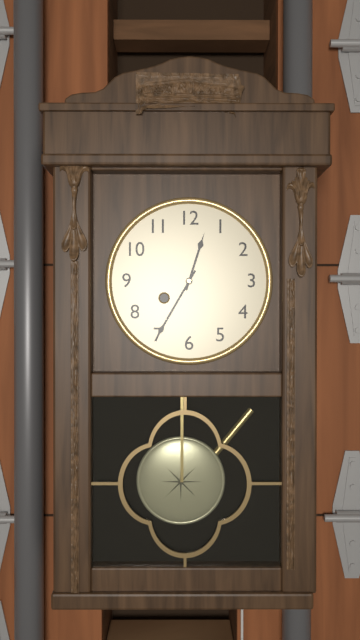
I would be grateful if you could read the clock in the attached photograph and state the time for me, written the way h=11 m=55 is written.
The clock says h=12 m=35
